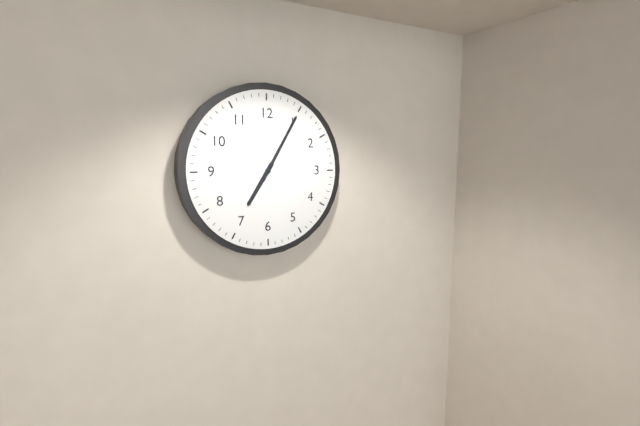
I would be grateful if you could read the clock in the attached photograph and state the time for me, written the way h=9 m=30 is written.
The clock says h=7 m=5
